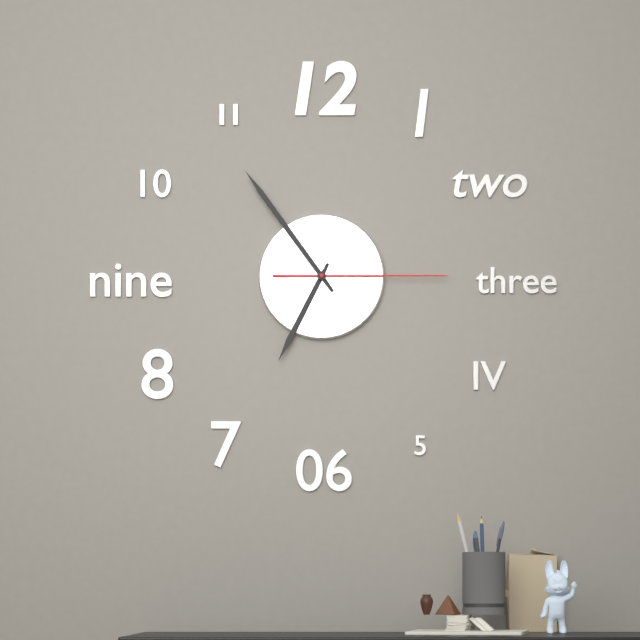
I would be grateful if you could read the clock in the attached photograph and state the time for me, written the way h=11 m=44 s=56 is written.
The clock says h=6 m=54 s=15
